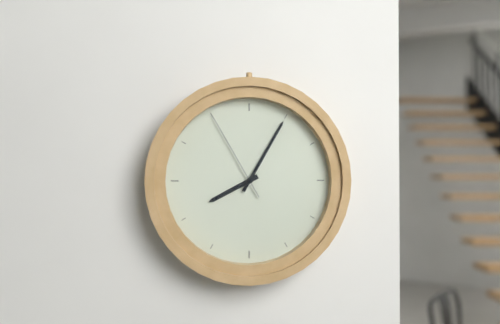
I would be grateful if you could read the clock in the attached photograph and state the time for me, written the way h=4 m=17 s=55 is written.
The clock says h=8 m=5 s=55
